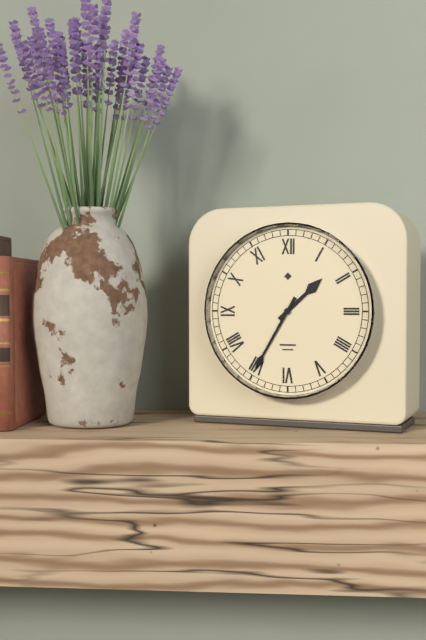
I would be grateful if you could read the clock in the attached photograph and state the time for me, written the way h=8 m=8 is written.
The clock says h=1 m=35
